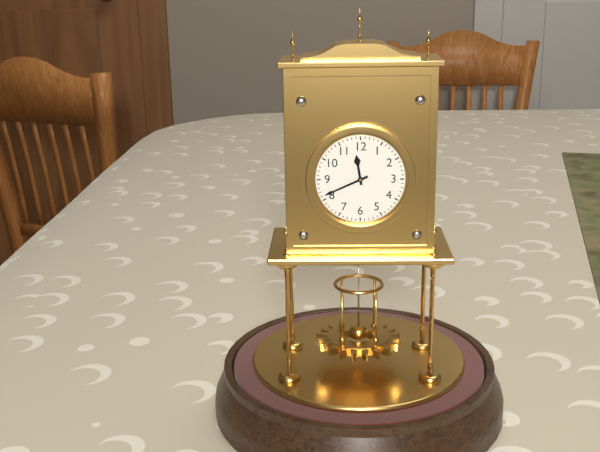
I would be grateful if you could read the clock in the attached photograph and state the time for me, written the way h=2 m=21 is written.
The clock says h=11 m=41
